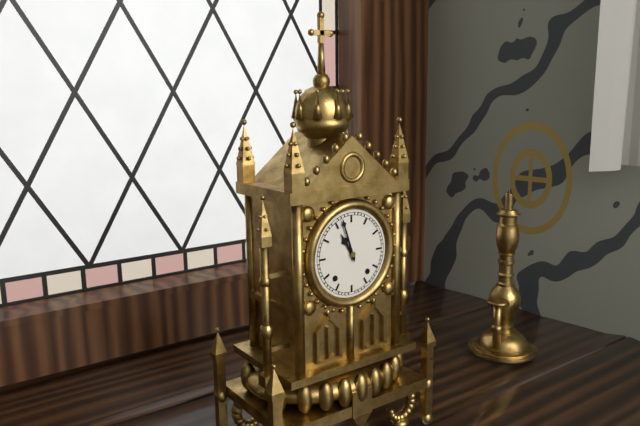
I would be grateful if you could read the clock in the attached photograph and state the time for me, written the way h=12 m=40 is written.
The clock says h=10 m=57
